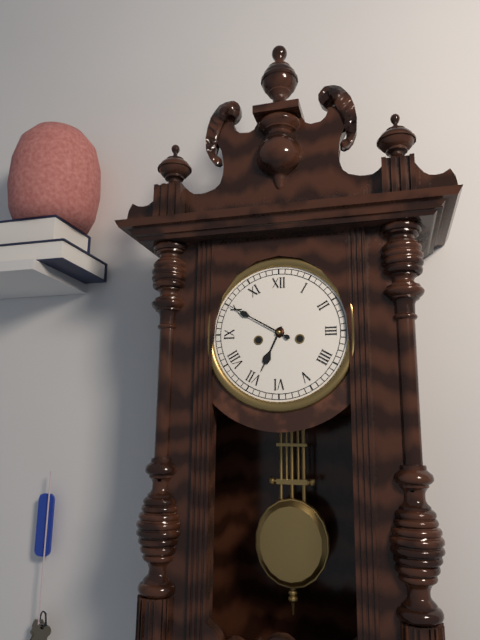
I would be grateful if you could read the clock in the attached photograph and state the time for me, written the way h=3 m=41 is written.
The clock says h=6 m=50
